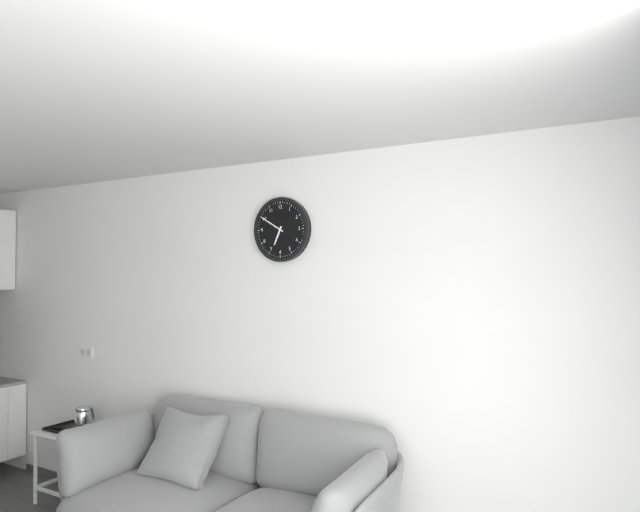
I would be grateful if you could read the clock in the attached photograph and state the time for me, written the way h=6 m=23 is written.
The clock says h=6 m=50
